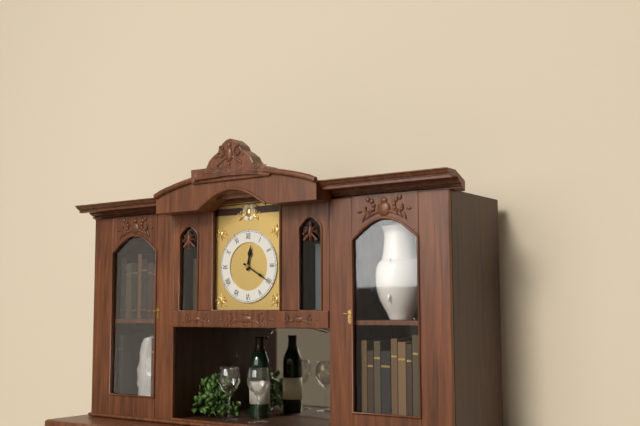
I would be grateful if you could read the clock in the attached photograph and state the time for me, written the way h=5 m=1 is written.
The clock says h=12 m=20
